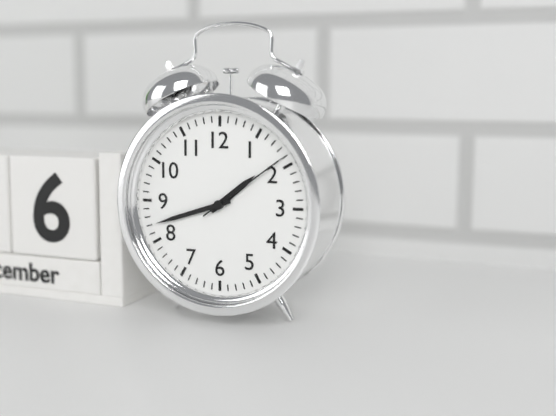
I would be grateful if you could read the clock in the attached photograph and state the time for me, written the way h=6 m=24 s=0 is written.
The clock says h=1 m=42 s=9
